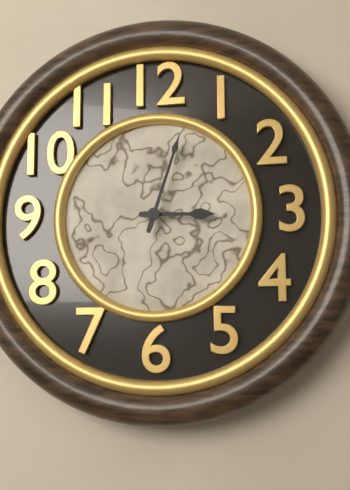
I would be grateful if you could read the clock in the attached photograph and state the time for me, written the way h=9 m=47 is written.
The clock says h=3 m=3
